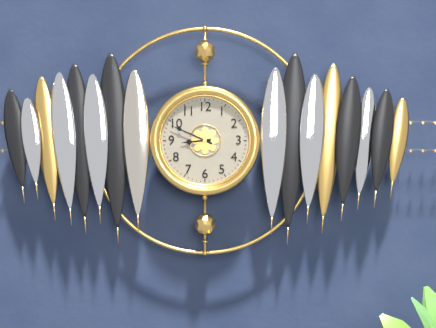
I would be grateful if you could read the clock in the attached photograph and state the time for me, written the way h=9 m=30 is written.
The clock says h=8 m=49
